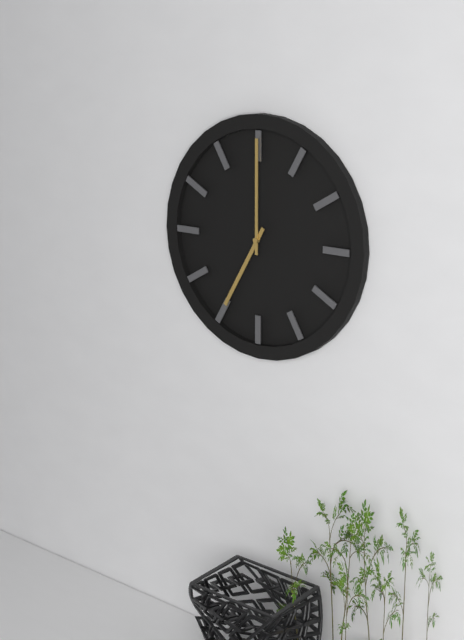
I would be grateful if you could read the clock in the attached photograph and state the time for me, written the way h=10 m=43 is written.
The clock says h=7 m=0
